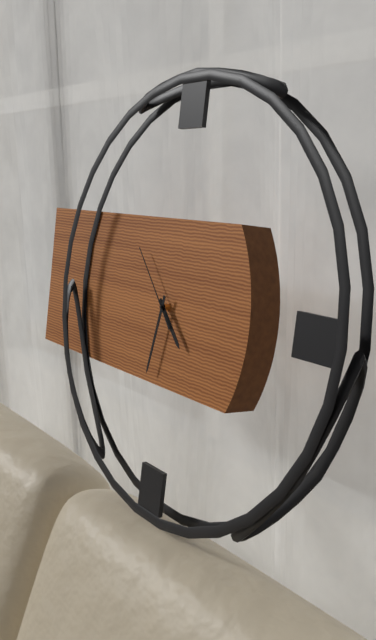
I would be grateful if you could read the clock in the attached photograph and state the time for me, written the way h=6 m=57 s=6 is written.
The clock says h=4 m=32 s=53
